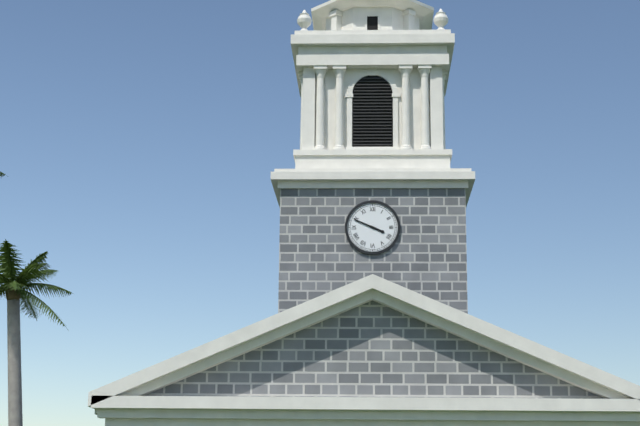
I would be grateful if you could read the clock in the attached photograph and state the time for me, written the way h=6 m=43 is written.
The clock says h=3 m=49
